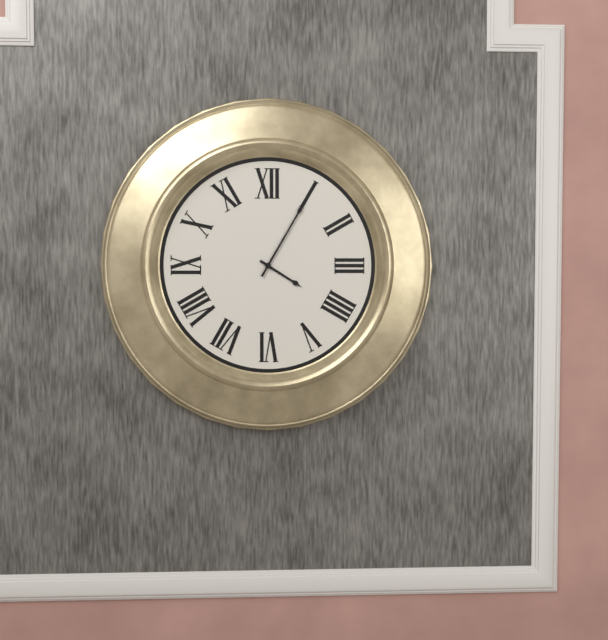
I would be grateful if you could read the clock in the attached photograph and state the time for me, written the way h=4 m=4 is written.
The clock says h=4 m=5
